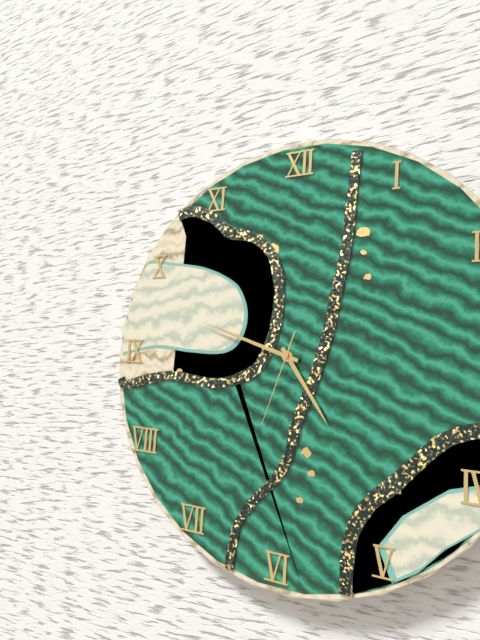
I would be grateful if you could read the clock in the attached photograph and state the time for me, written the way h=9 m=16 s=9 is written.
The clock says h=4 m=48 s=33
